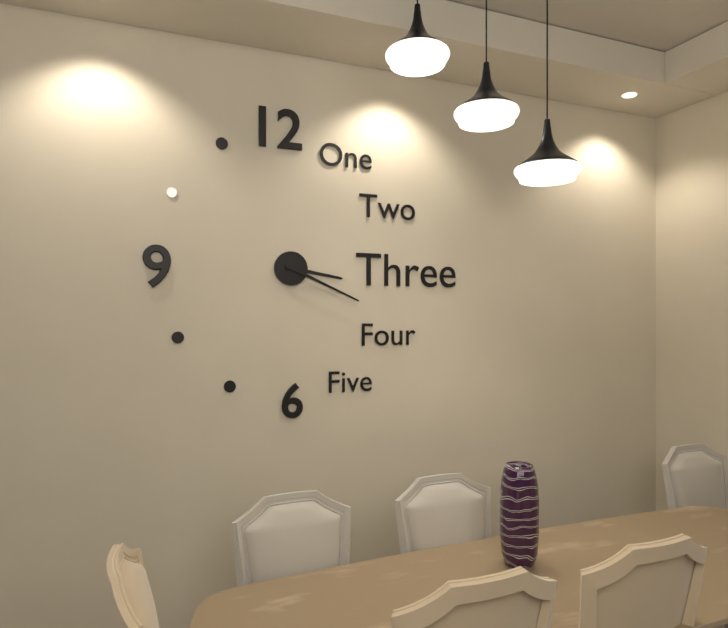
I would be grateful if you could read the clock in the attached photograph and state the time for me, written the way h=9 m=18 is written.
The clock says h=3 m=19
